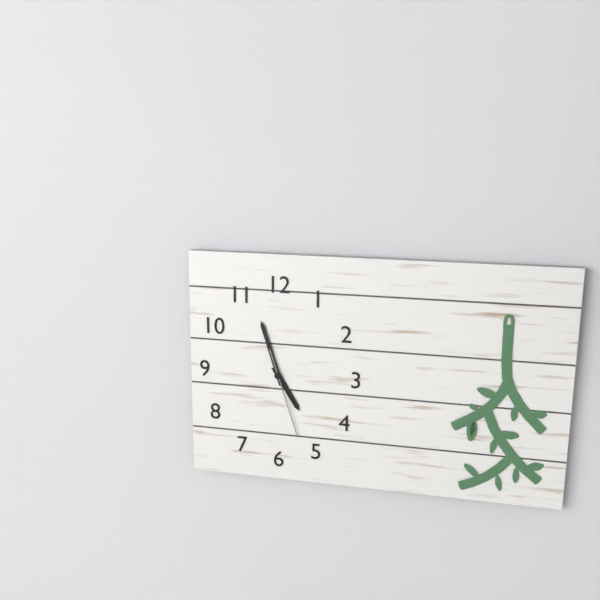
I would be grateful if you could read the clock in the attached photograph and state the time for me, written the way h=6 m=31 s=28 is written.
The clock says h=4 m=57 s=27
